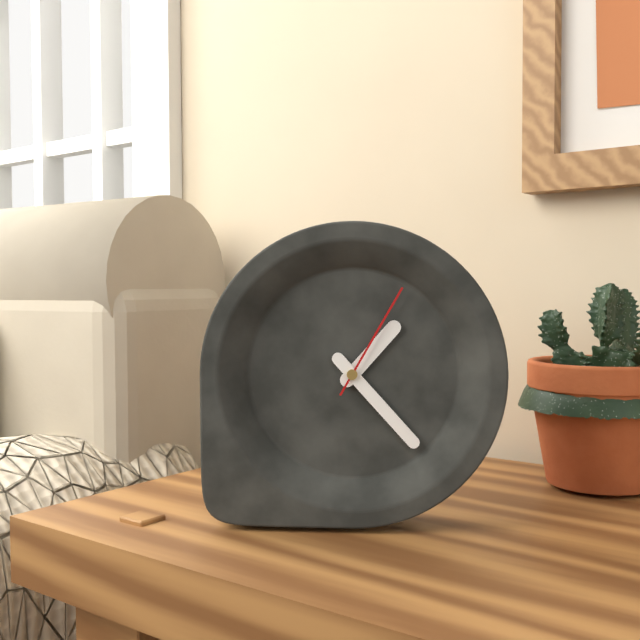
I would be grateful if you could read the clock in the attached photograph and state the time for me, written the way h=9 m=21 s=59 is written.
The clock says h=1 m=23 s=5
